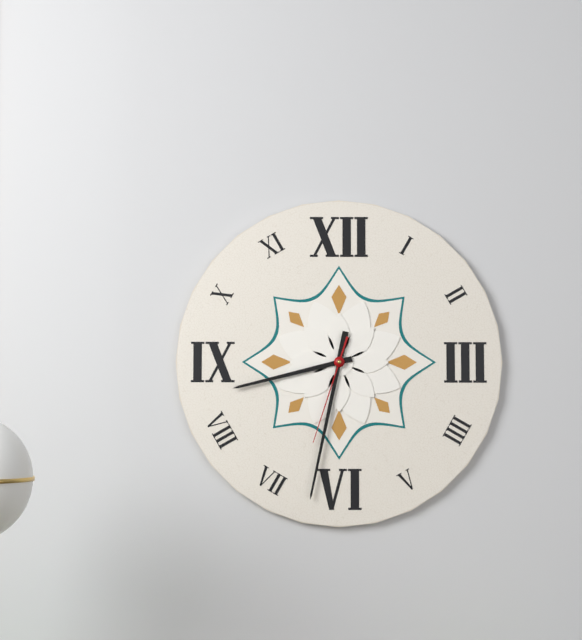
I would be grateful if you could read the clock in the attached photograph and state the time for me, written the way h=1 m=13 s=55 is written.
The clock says h=8 m=32 s=33
